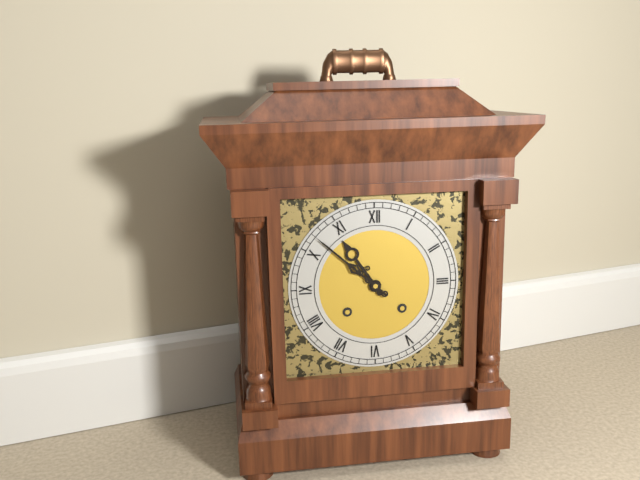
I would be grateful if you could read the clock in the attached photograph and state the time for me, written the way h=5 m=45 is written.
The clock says h=10 m=52
